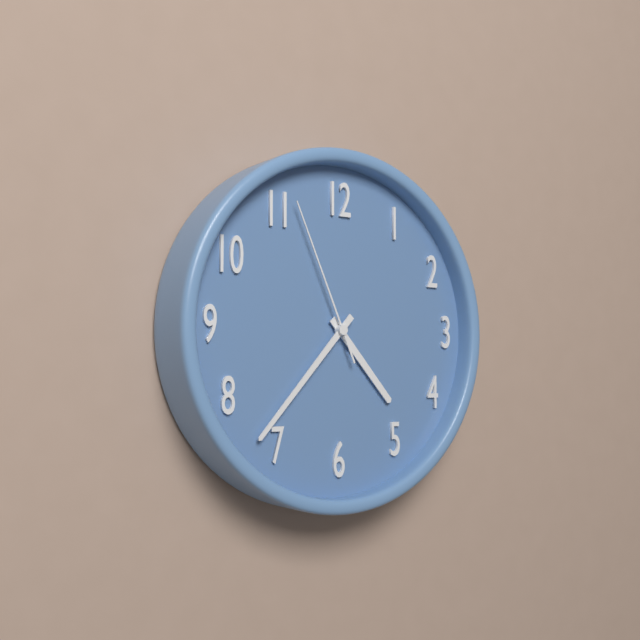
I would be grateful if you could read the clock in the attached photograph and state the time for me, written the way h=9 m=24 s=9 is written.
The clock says h=4 m=37 s=56
